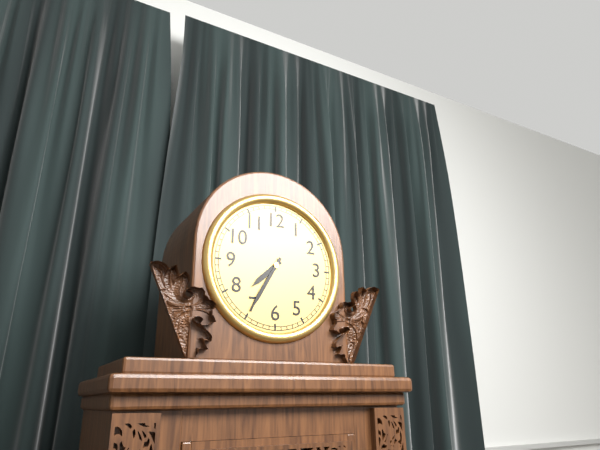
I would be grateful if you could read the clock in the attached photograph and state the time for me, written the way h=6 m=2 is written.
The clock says h=7 m=35
